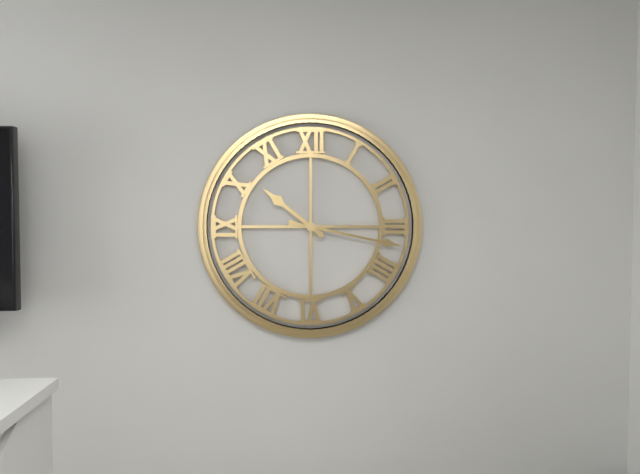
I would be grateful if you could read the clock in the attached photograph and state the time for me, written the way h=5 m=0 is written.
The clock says h=10 m=17
